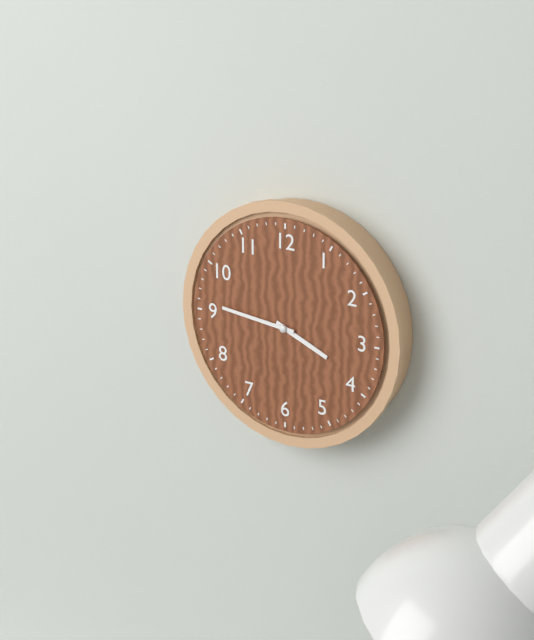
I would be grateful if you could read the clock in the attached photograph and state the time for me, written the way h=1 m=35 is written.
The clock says h=3 m=46
